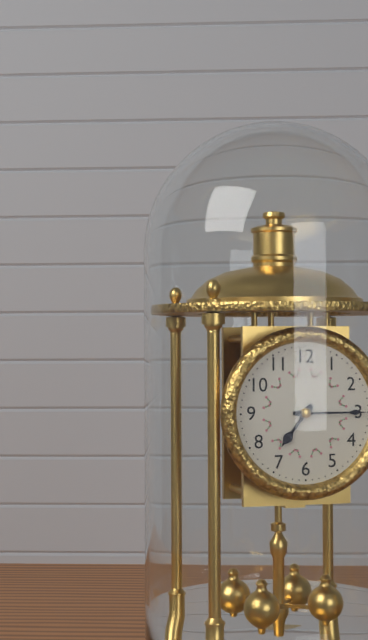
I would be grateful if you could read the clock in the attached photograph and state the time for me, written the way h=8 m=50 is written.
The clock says h=7 m=15
